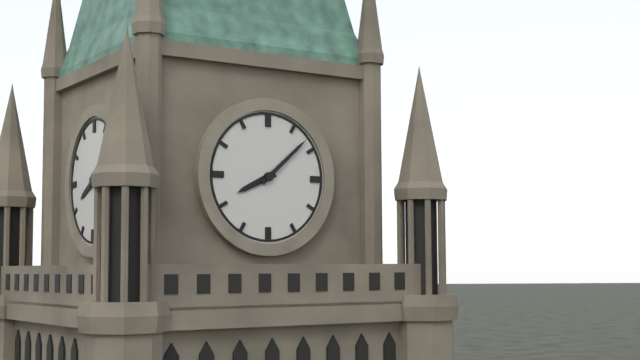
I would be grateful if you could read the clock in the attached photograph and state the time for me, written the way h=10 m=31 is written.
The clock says h=8 m=8
